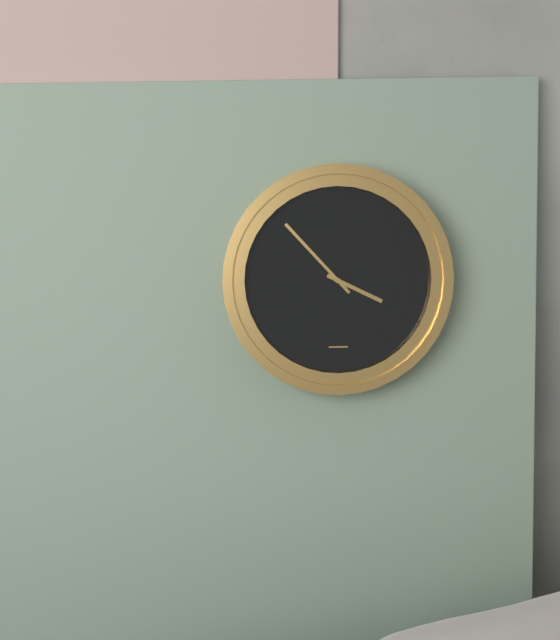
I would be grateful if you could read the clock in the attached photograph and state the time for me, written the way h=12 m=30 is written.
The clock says h=3 m=53
